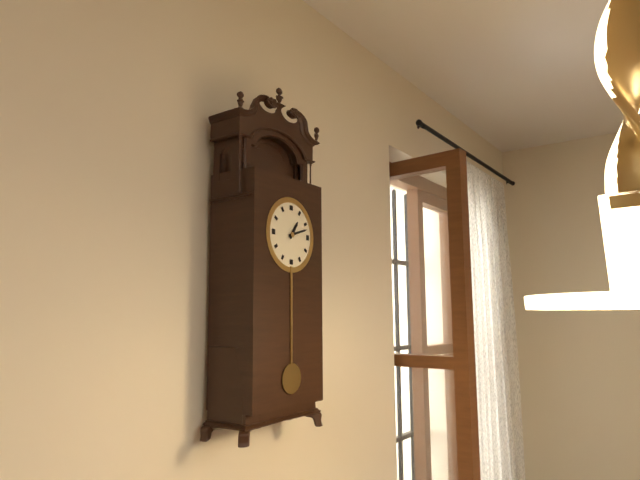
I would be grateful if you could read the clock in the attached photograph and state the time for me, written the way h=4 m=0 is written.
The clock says h=1 m=12
